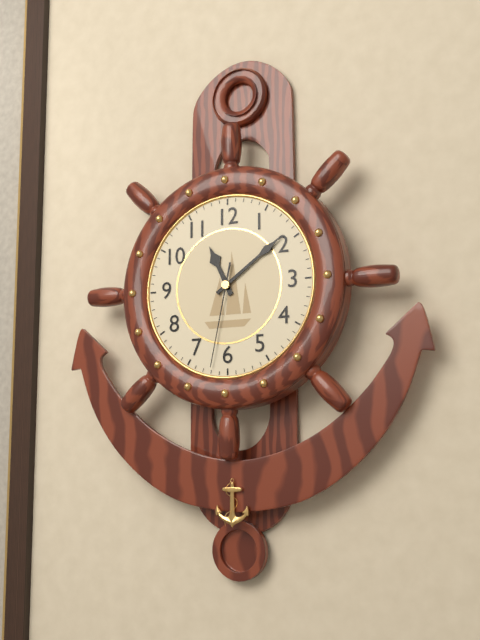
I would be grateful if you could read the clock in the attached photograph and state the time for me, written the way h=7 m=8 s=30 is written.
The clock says h=11 m=9 s=32
